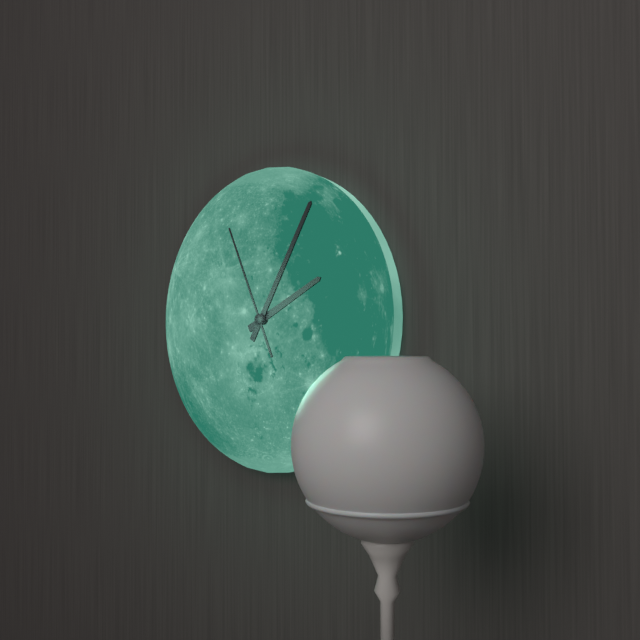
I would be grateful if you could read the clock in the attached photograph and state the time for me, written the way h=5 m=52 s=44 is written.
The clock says h=2 m=5 s=56
